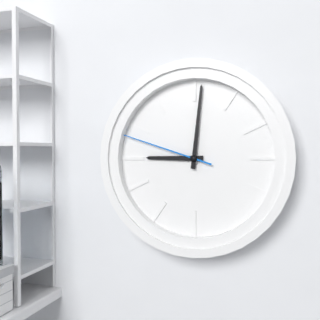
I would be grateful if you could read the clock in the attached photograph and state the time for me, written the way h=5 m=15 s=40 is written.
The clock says h=9 m=1 s=48
